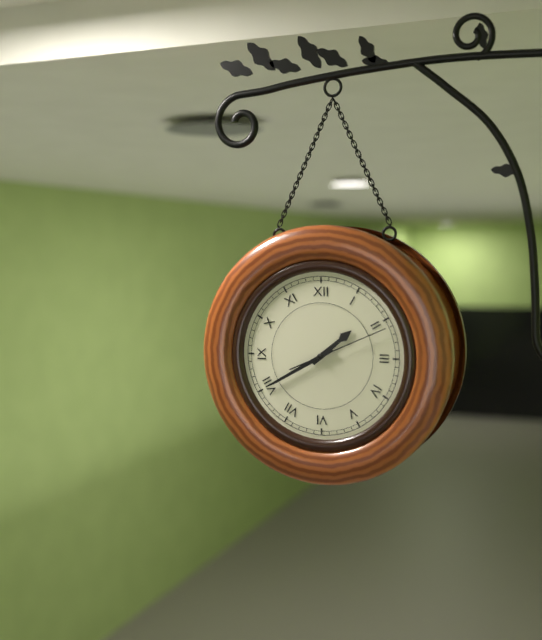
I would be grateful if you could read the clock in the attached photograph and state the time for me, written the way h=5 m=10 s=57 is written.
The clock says h=1 m=40 s=11
